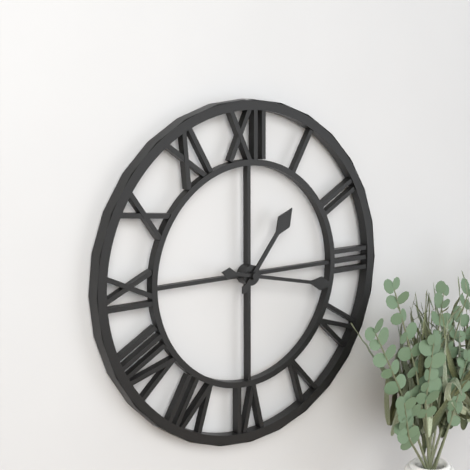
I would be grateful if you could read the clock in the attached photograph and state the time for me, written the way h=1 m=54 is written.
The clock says h=1 m=17
